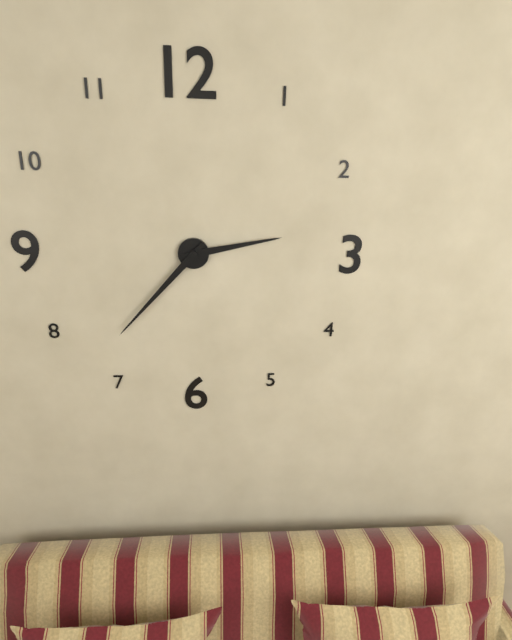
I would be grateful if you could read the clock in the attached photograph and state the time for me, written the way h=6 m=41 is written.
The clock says h=2 m=37
